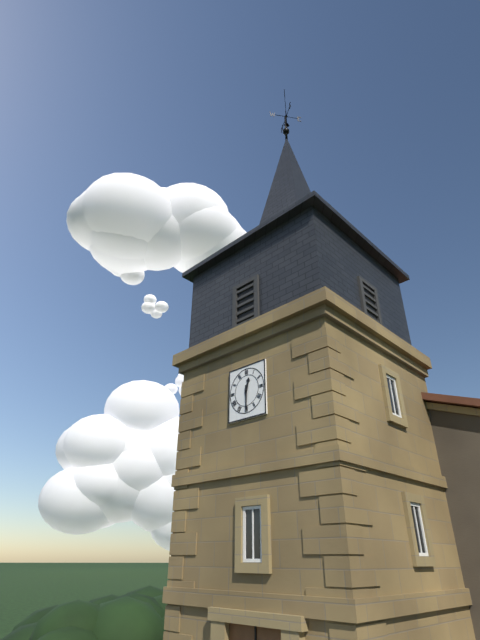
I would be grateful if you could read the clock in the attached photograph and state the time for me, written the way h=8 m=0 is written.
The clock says h=12 m=30
